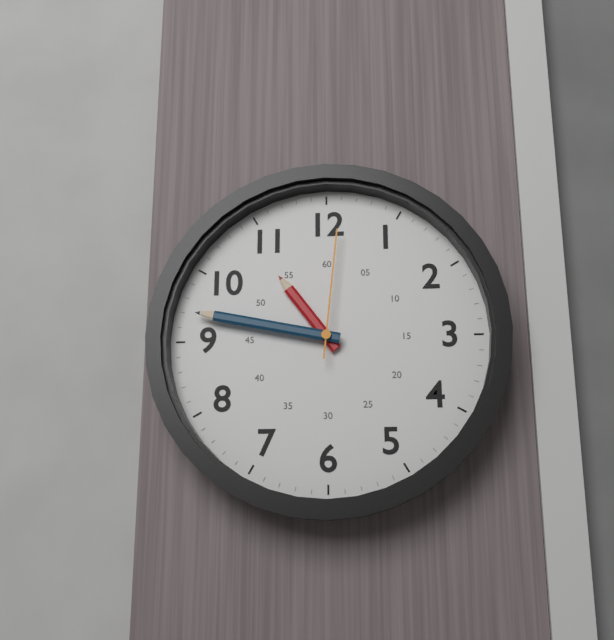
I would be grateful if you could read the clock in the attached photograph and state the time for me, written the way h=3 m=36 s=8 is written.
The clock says h=10 m=47 s=1
